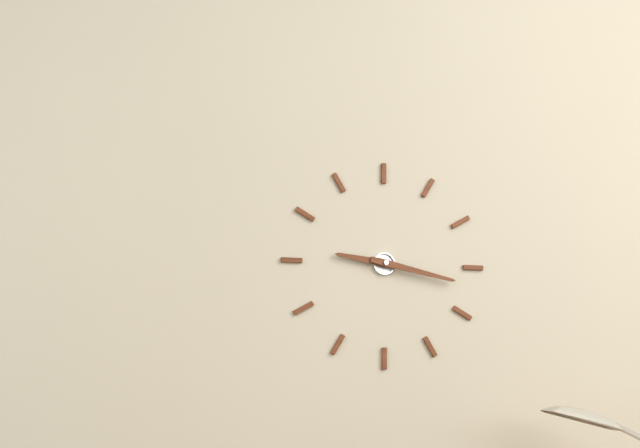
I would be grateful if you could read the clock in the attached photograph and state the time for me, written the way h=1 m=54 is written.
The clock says h=9 m=17
